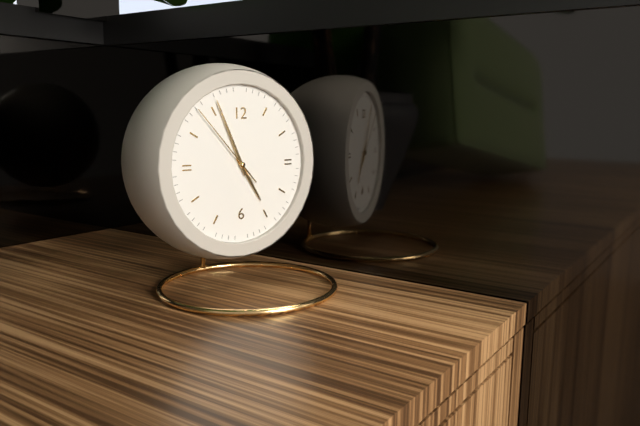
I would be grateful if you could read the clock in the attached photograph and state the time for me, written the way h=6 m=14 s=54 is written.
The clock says h=4 m=56 s=53
